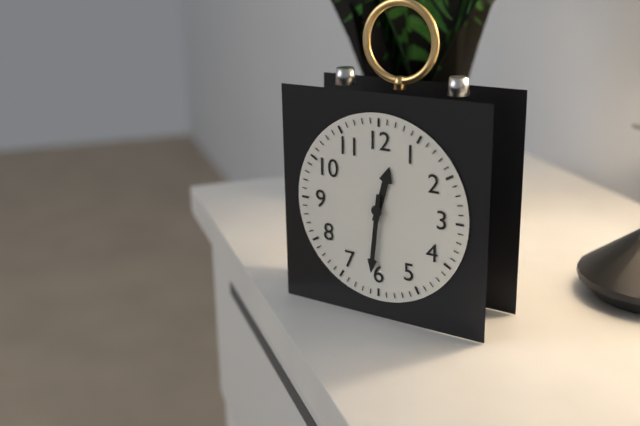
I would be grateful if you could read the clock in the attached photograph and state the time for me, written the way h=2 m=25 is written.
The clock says h=12 m=31
